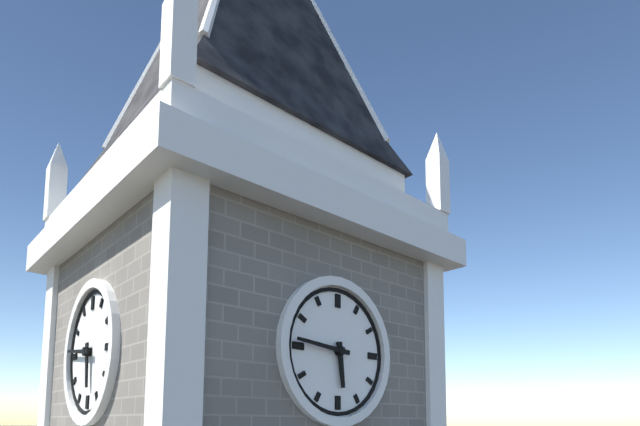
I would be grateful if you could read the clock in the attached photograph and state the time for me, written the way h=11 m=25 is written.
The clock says h=5 m=46
